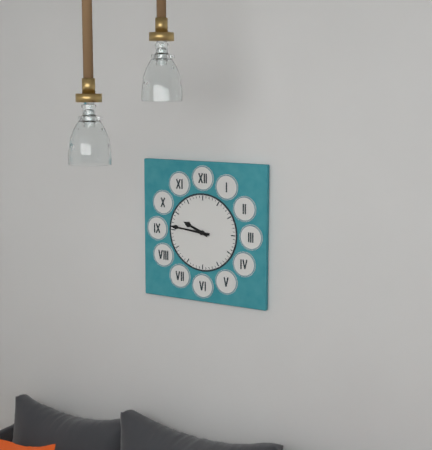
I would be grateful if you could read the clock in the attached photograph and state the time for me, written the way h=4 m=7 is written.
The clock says h=9 m=46
